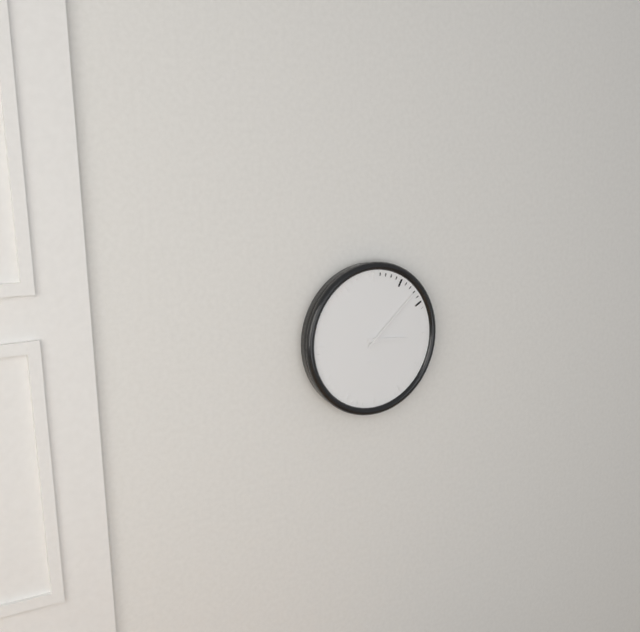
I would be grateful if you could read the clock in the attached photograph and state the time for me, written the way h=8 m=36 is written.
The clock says h=3 m=8
